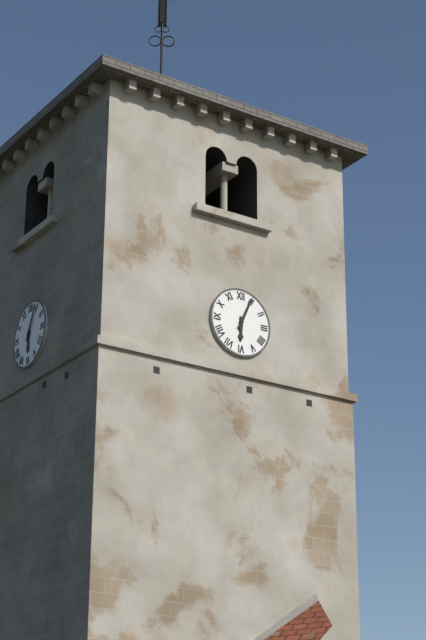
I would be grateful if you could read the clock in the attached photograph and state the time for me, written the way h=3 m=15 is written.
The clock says h=6 m=4
